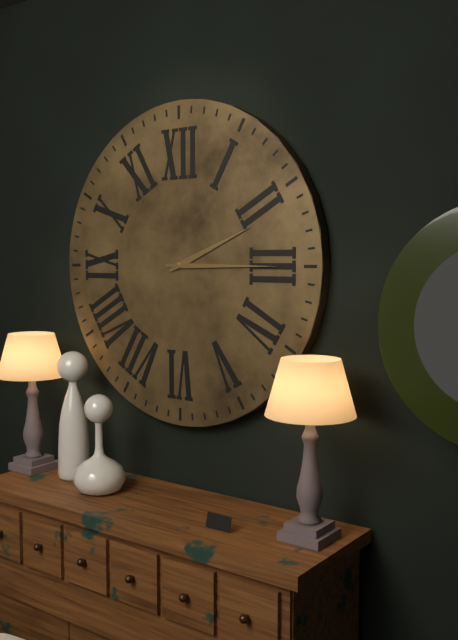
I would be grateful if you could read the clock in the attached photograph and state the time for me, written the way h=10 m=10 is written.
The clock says h=2 m=15
